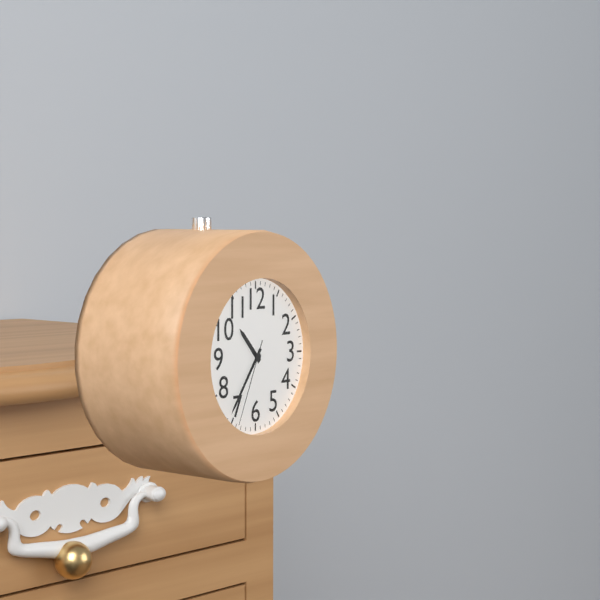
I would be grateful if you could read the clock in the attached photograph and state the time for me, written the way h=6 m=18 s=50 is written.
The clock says h=10 m=36 s=34
